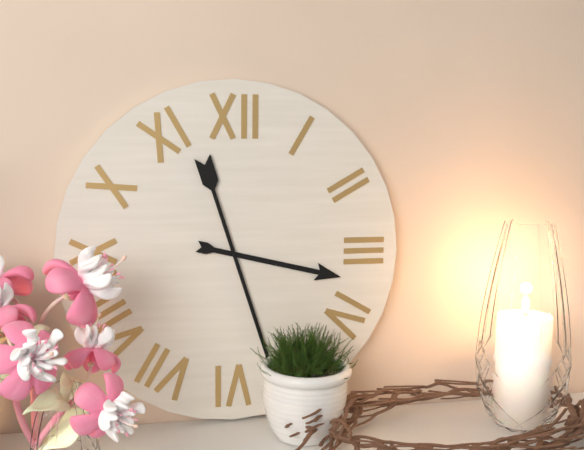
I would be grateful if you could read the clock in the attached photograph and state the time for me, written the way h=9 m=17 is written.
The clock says h=3 m=27
